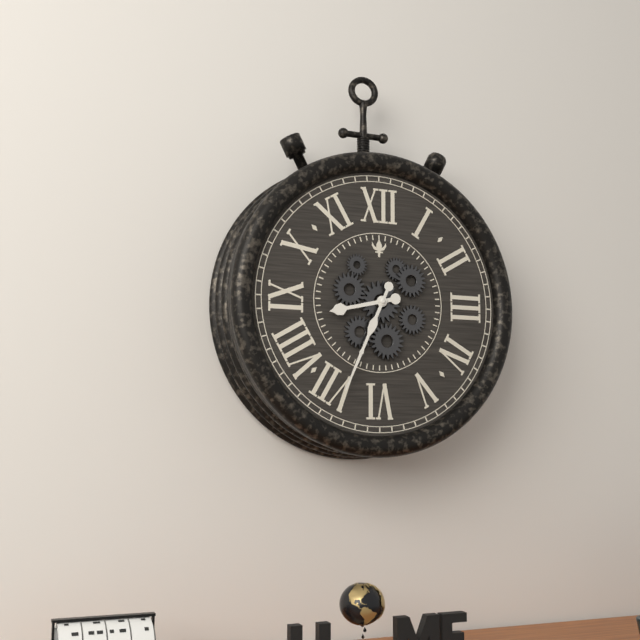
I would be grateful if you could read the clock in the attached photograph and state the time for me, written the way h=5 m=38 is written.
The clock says h=8 m=34
